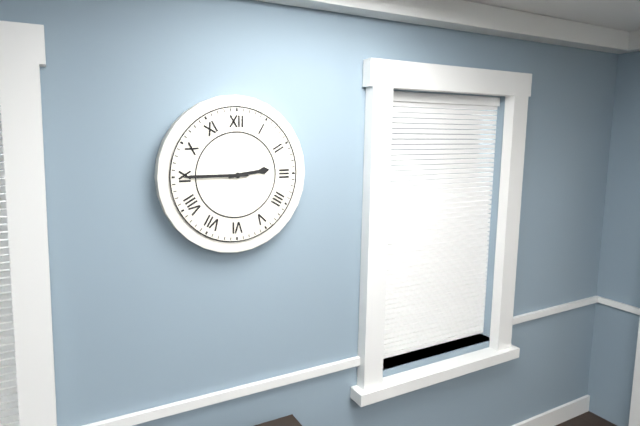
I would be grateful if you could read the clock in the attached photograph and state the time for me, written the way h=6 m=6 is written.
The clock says h=2 m=45
